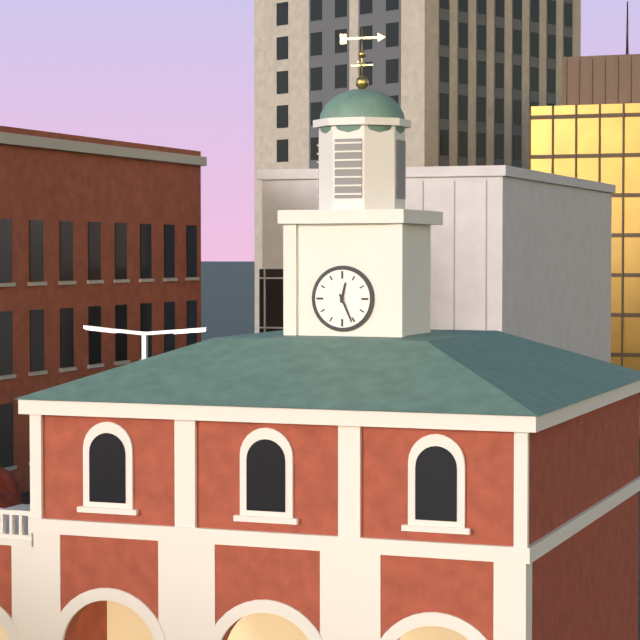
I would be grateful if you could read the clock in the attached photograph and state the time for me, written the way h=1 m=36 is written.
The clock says h=12 m=26
